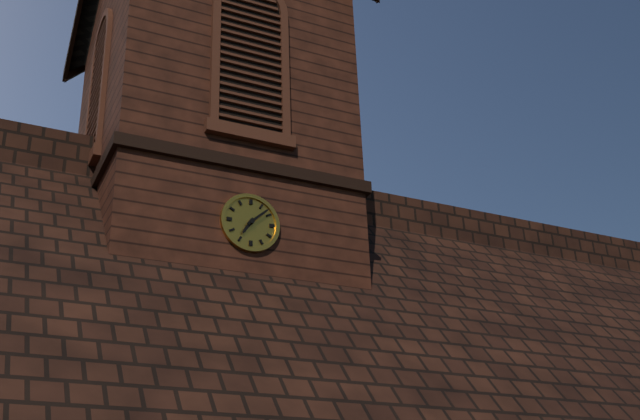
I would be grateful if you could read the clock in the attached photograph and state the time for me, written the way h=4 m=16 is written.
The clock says h=7 m=8
